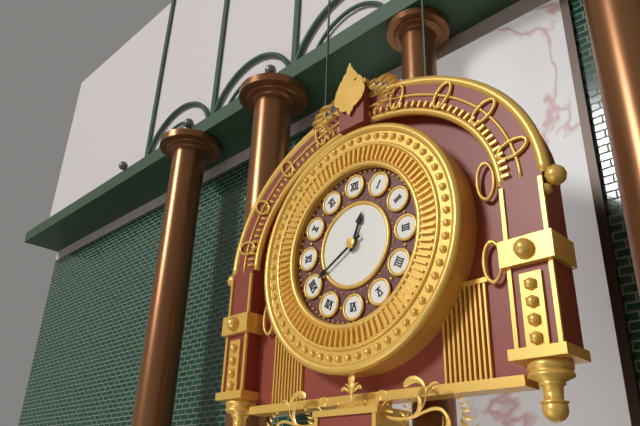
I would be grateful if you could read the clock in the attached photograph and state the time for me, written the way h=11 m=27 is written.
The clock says h=12 m=40
